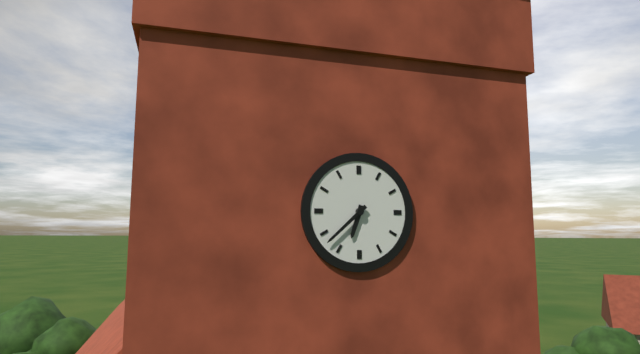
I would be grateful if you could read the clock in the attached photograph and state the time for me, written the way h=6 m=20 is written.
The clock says h=6 m=38
